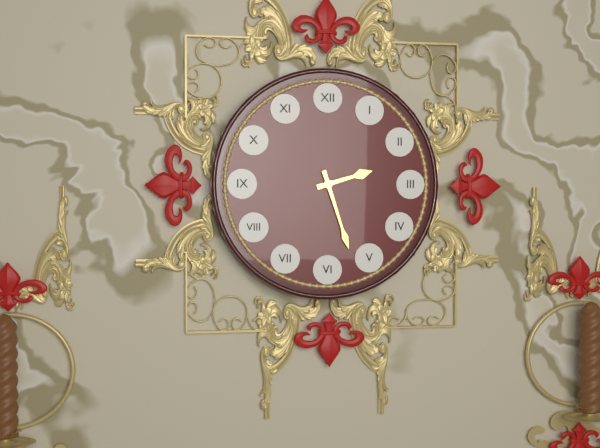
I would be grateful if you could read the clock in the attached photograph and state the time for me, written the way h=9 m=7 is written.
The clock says h=2 m=27
